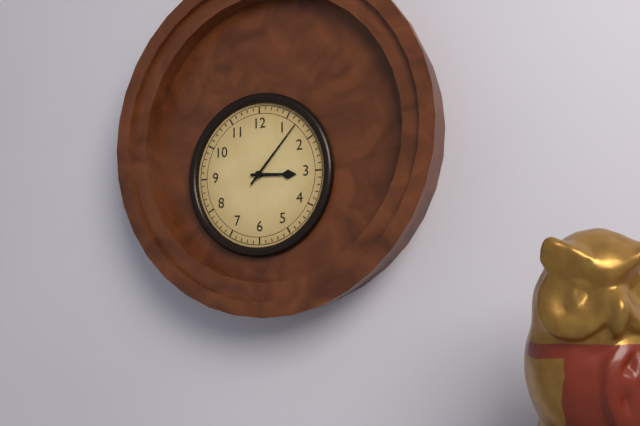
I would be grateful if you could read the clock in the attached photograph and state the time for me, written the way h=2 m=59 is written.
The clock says h=3 m=7
